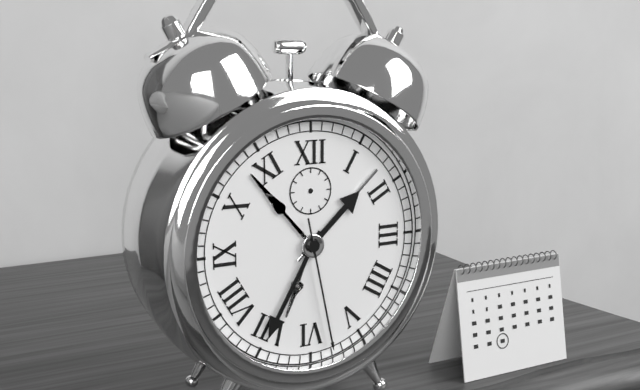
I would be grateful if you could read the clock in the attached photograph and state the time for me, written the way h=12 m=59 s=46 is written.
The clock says h=1 m=35 s=28
